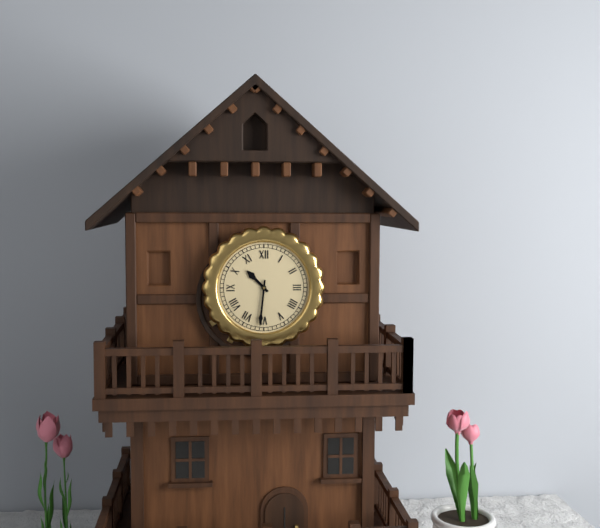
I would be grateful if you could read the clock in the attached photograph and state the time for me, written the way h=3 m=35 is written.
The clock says h=10 m=31
